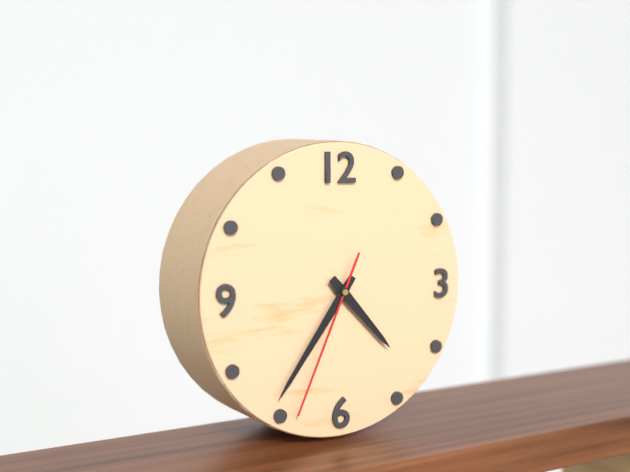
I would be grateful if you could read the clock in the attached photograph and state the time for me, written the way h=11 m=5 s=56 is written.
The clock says h=4 m=36 s=34
